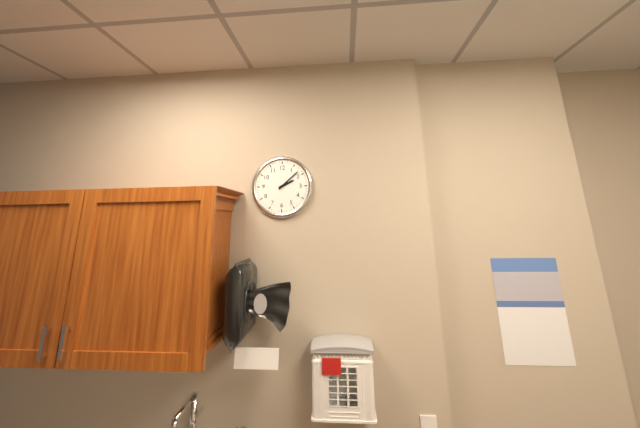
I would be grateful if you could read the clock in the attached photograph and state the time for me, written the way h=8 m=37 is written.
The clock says h=2 m=8
